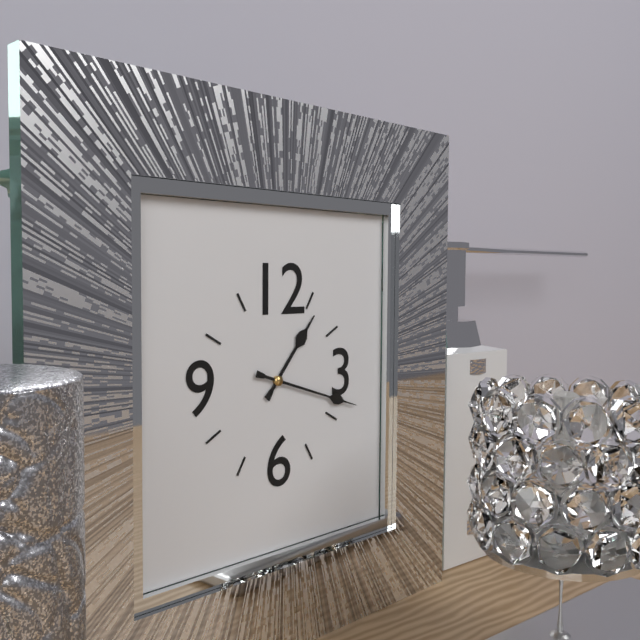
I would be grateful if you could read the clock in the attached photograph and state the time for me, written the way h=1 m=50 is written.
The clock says h=1 m=18
